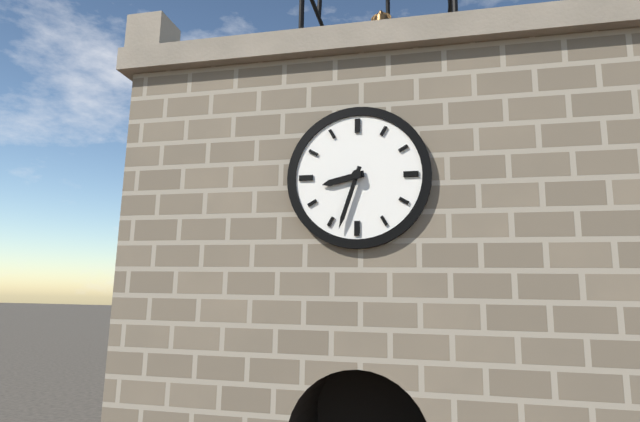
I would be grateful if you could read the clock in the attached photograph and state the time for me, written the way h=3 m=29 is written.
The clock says h=8 m=33
